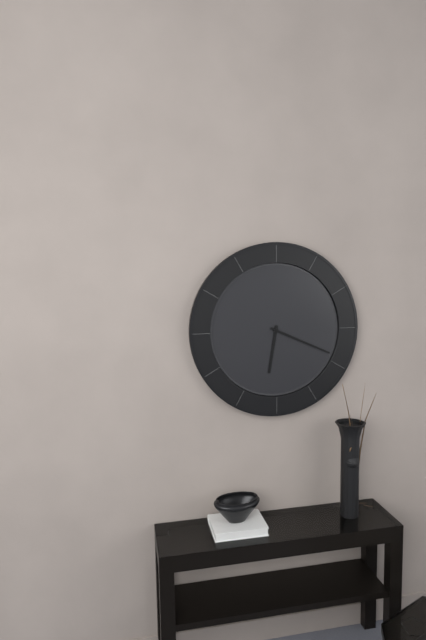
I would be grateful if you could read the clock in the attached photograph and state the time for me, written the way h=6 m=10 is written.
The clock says h=6 m=19
